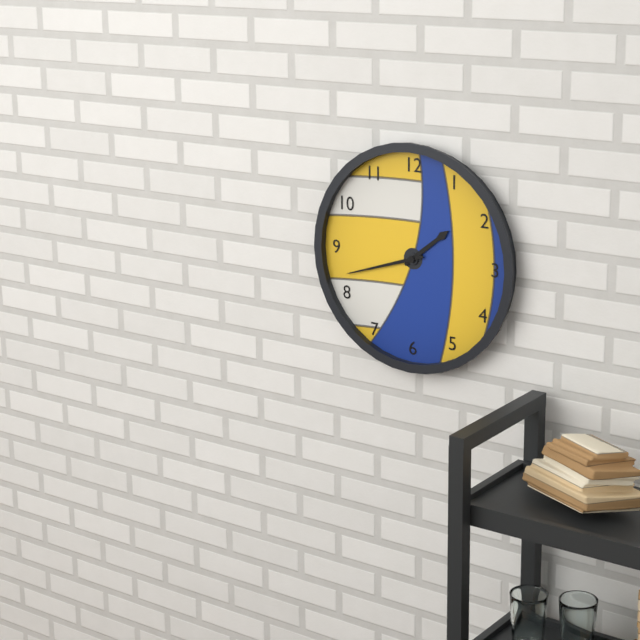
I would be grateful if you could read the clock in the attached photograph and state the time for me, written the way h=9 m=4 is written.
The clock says h=1 m=42
